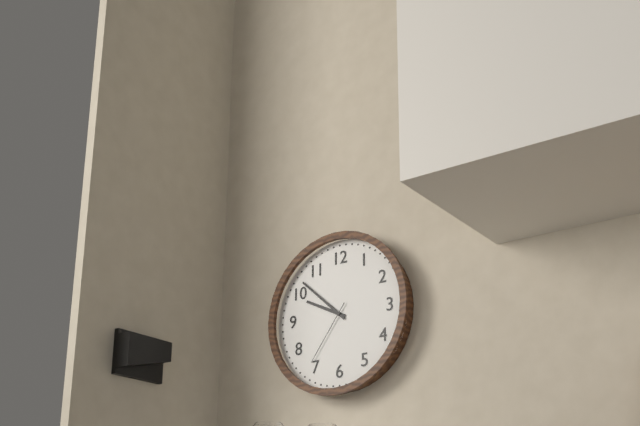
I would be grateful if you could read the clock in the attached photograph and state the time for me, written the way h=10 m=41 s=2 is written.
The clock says h=9 m=52 s=36
